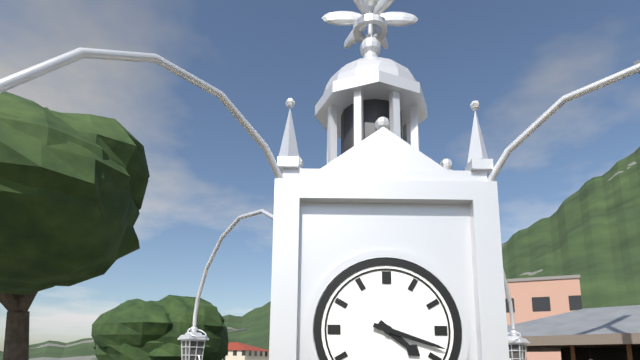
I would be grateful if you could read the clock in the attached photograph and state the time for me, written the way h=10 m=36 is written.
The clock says h=4 m=18
